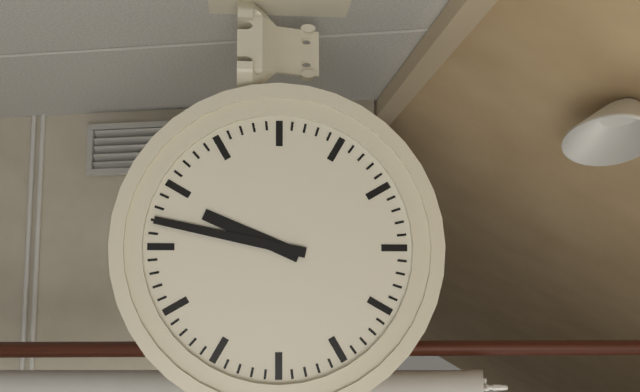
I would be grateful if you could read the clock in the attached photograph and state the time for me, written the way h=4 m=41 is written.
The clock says h=9 m=47
